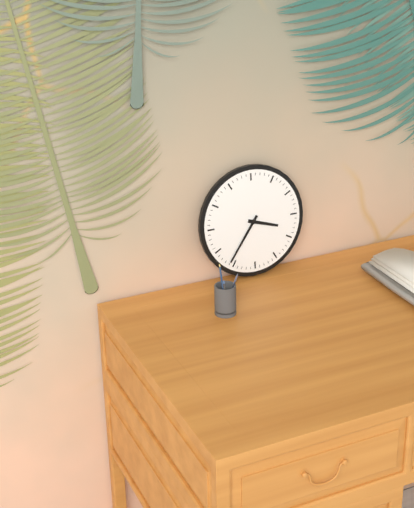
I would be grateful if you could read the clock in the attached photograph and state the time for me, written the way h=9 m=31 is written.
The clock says h=3 m=36
